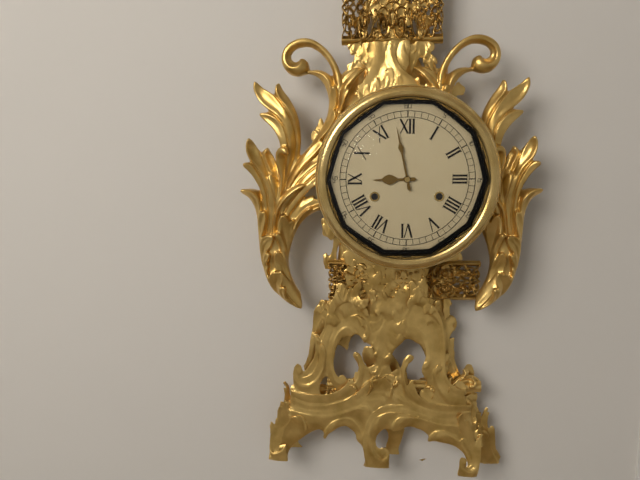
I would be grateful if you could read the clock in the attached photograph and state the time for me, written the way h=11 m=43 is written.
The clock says h=8 m=58
